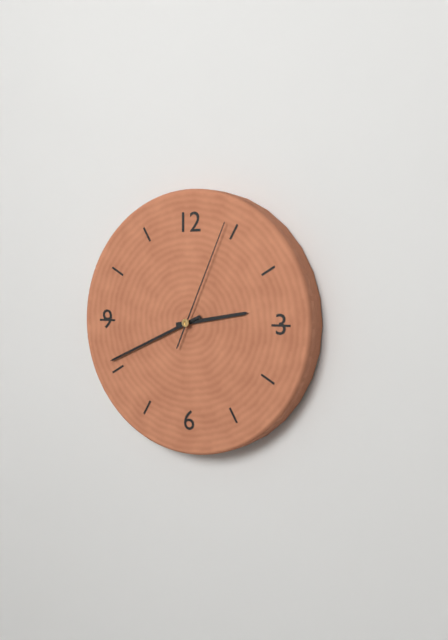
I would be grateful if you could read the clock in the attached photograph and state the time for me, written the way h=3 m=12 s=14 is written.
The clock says h=2 m=41 s=4
